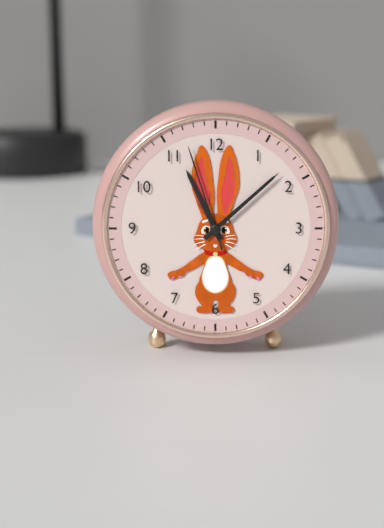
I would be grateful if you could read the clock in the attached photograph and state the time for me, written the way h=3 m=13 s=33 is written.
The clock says h=11 m=8 s=57
